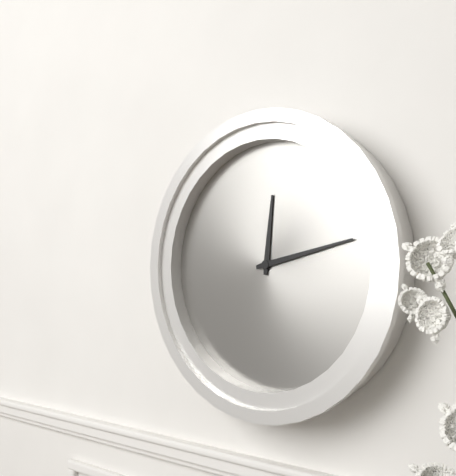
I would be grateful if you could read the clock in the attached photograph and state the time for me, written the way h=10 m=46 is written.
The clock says h=12 m=13
